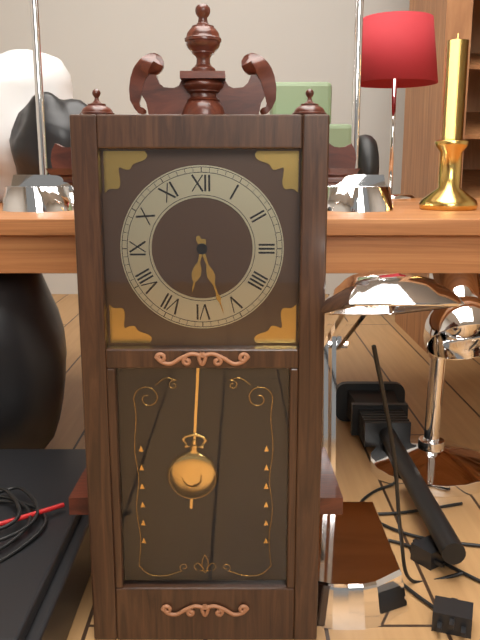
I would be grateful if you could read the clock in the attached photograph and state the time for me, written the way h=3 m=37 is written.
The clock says h=6 m=27
